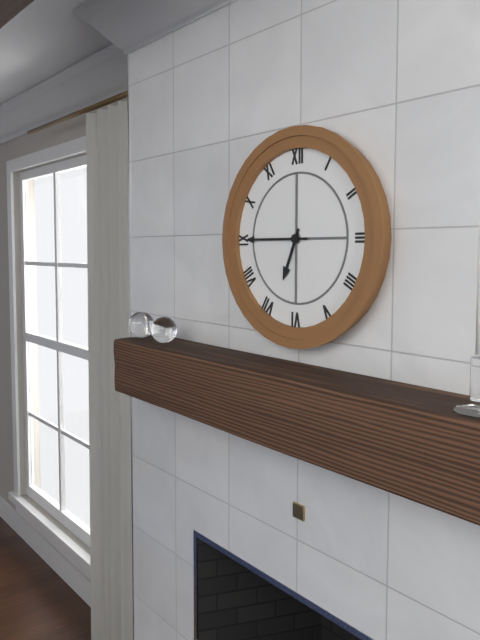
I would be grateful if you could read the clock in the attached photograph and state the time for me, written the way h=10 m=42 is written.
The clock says h=6 m=45
